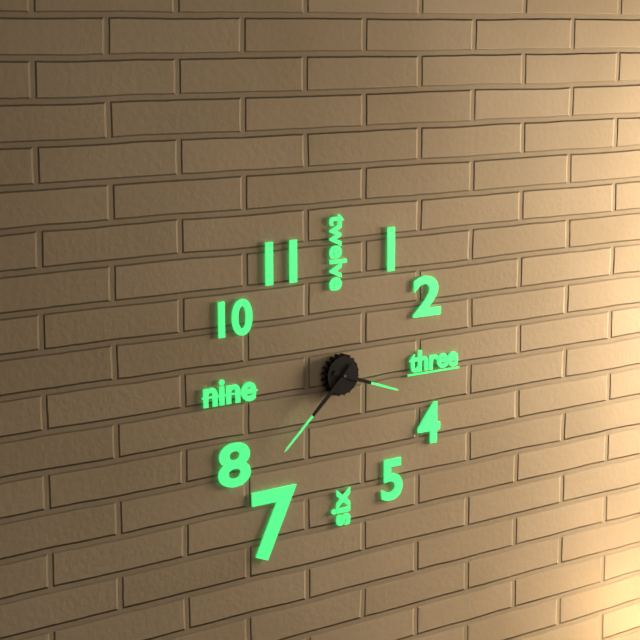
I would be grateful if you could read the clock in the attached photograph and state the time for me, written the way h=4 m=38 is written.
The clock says h=3 m=38
